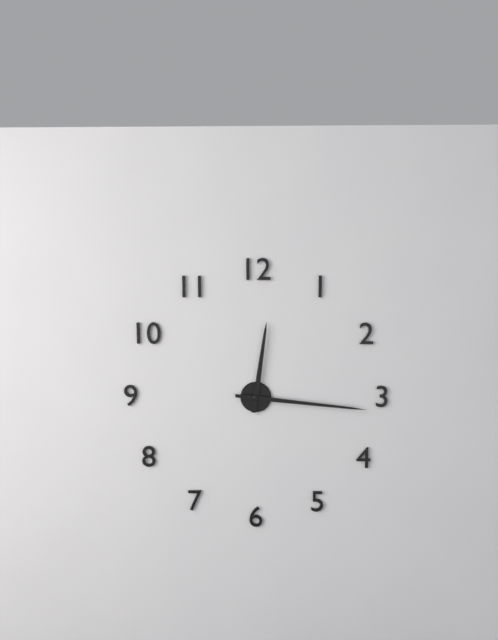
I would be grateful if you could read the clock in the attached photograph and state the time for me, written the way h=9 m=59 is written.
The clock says h=12 m=16
